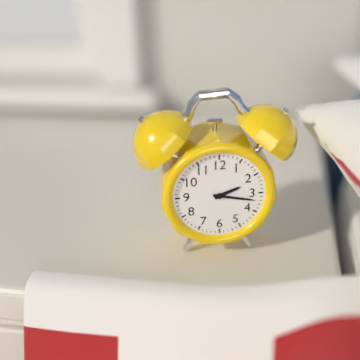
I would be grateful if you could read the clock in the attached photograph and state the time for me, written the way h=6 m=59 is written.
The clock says h=2 m=17
